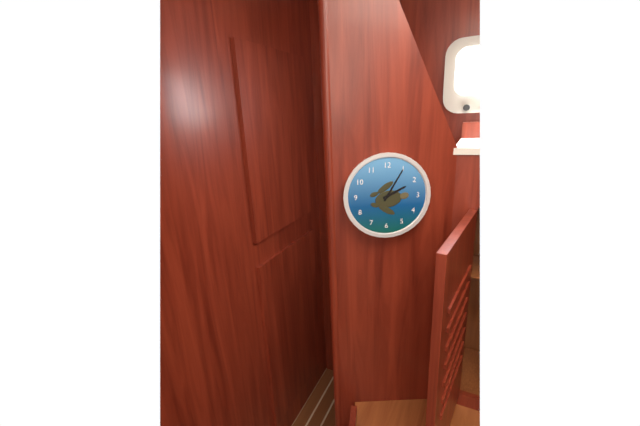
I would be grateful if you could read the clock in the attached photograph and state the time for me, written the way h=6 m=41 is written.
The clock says h=2 m=5
